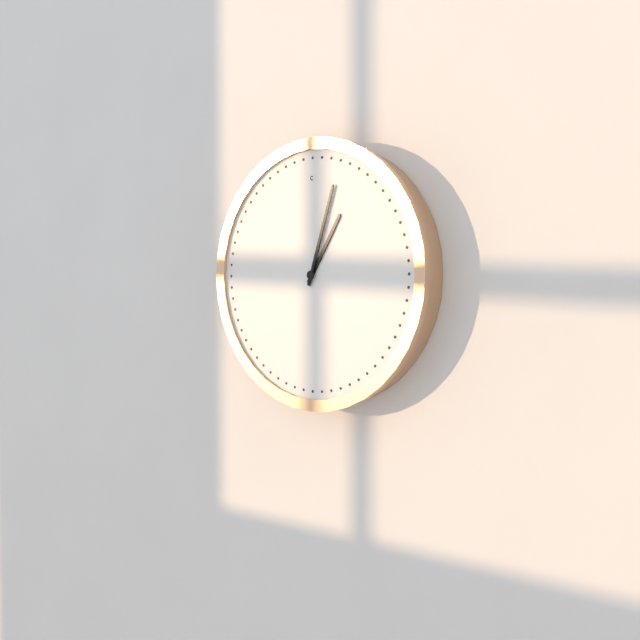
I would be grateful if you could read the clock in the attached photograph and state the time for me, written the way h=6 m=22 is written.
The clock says h=1 m=3
